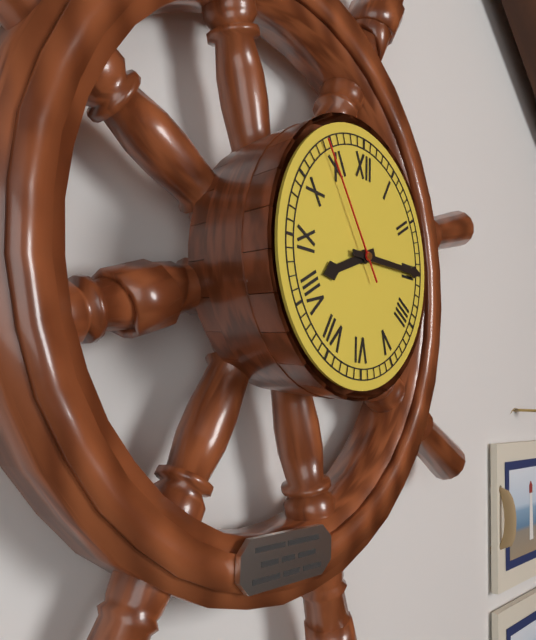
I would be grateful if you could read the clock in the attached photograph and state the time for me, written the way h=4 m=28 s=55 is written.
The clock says h=8 m=15 s=54
